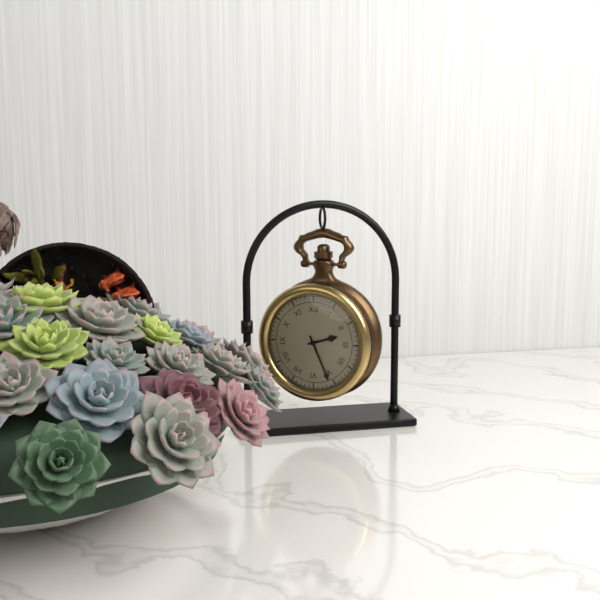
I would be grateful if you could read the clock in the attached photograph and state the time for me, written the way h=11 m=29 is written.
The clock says h=2 m=26
